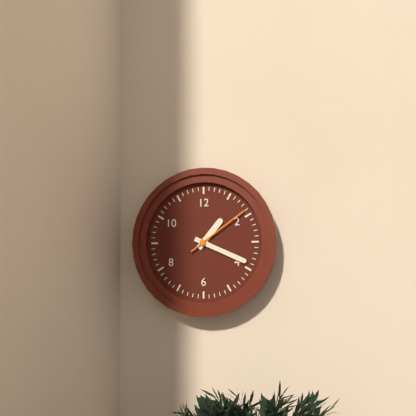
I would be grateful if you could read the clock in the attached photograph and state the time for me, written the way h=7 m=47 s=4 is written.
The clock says h=1 m=19 s=9
